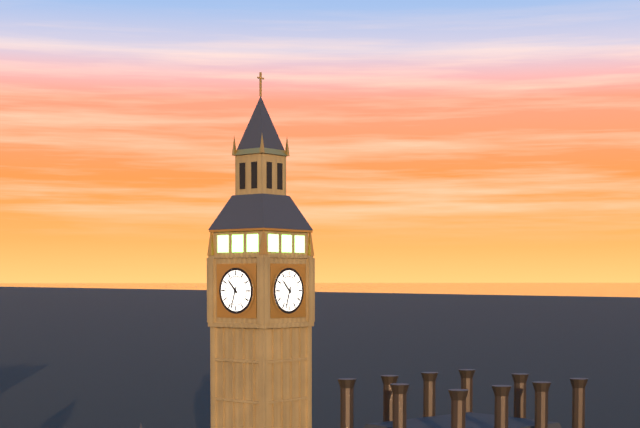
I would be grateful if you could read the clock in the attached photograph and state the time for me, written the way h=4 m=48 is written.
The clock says h=10 m=33
